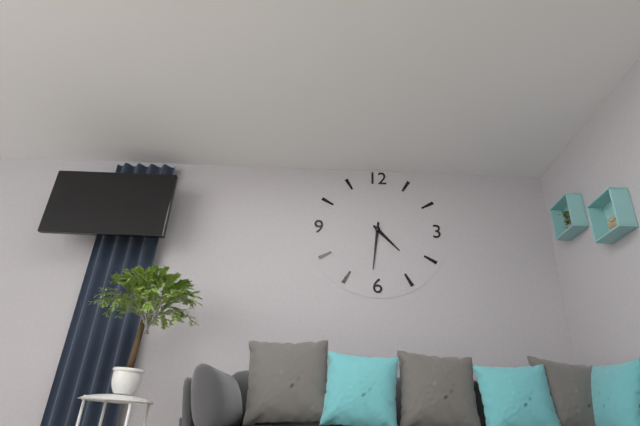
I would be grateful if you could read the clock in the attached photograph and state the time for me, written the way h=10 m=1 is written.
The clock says h=4 m=31
